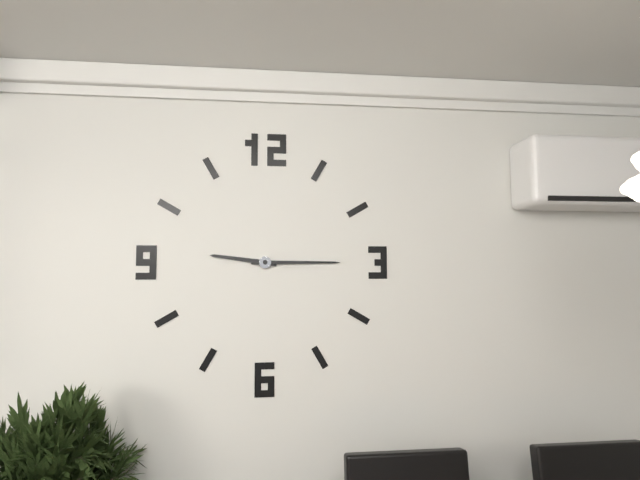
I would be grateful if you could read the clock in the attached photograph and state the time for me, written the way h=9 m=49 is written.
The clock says h=9 m=15
